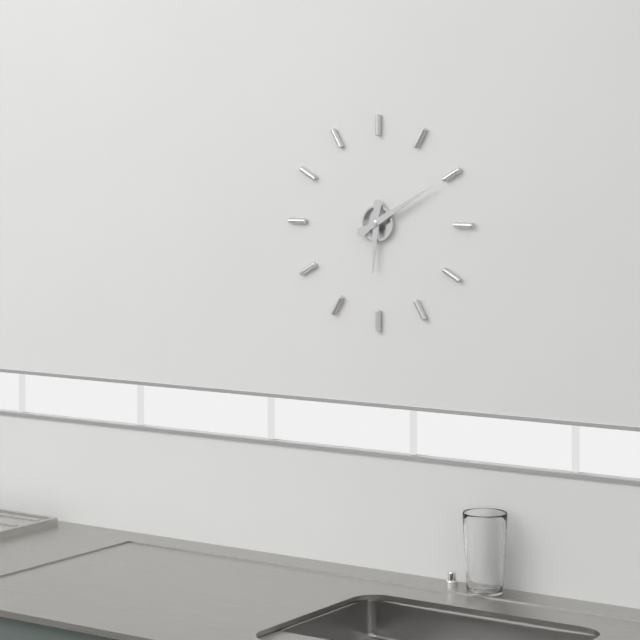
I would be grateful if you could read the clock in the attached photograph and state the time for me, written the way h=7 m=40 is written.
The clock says h=6 m=10
